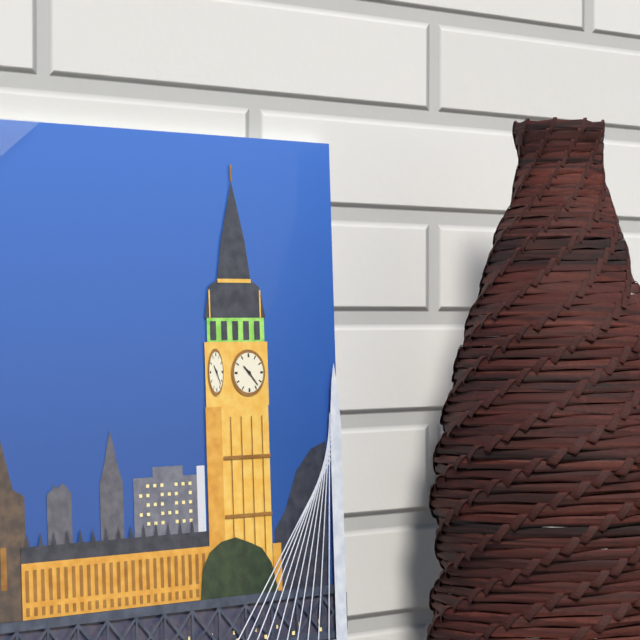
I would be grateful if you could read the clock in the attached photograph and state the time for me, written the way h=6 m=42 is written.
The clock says h=10 m=23
